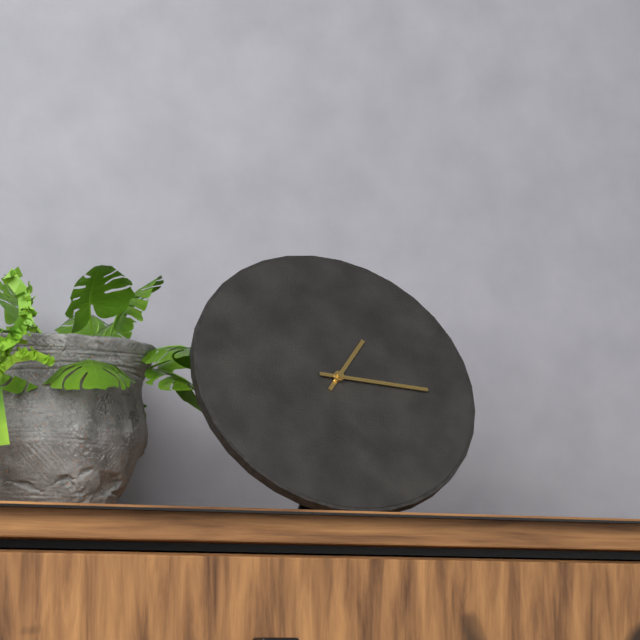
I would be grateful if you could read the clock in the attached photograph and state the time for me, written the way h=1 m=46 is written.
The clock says h=1 m=16
